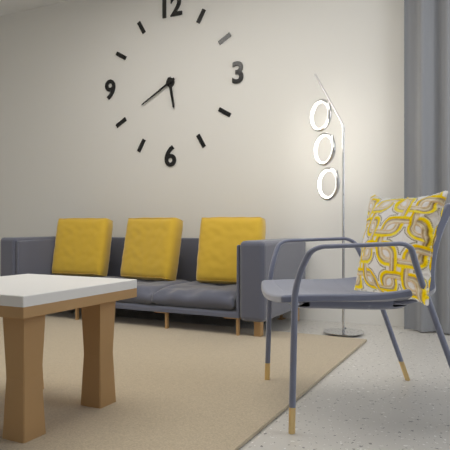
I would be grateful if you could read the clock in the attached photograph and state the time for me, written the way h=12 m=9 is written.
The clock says h=5 m=40
